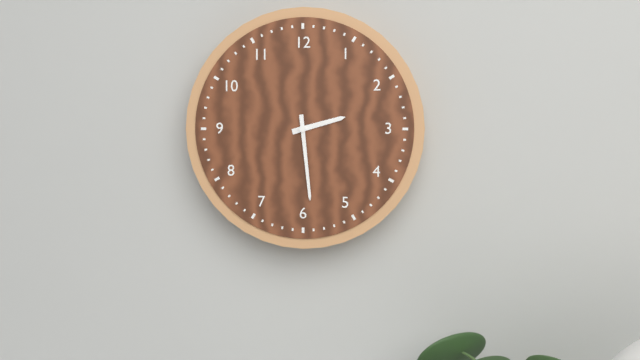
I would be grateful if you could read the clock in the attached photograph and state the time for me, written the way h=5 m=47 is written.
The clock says h=2 m=29
